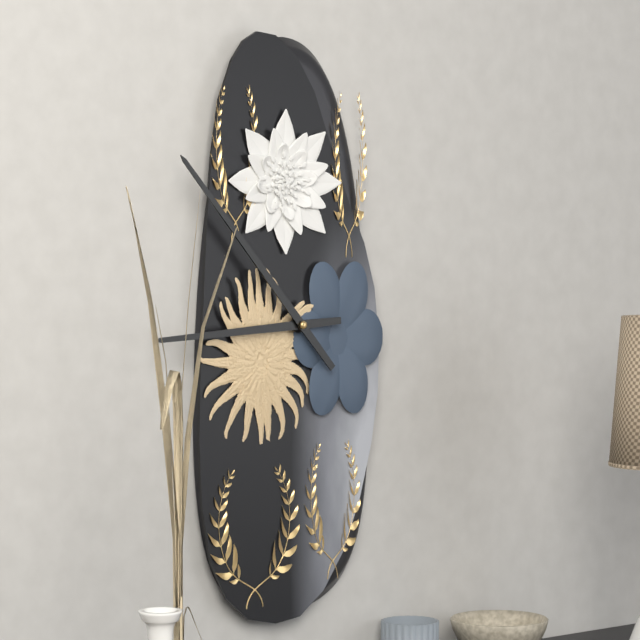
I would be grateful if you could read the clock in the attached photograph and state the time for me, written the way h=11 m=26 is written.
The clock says h=8 m=53
